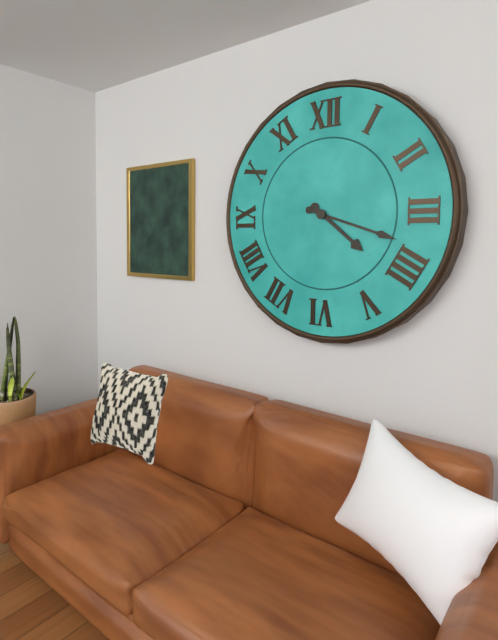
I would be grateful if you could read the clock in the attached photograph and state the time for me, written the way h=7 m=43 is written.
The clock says h=4 m=18
